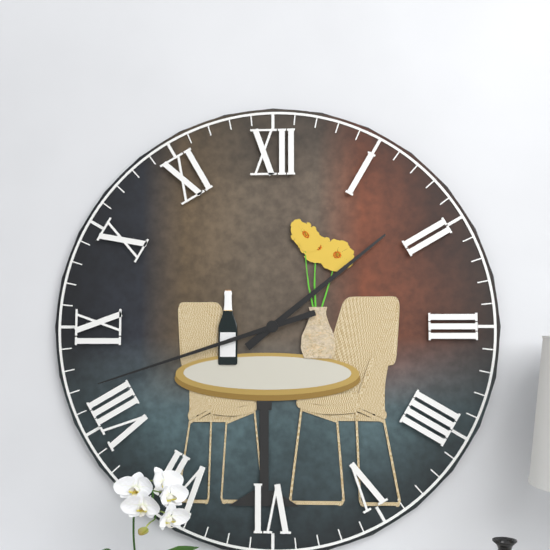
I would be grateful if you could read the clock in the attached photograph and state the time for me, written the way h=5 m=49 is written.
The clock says h=1 m=42
